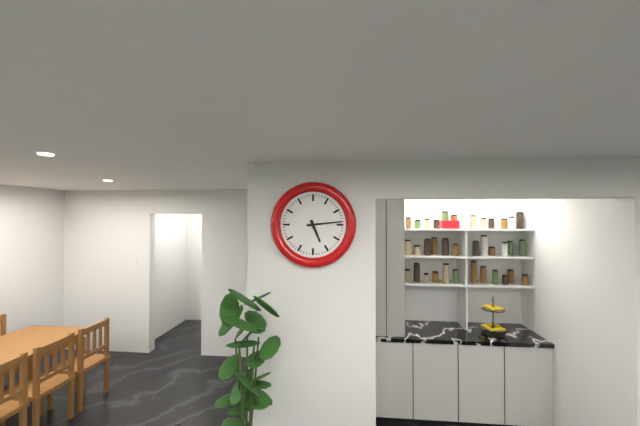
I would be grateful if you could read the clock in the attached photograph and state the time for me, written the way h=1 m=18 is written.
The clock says h=5 m=14
